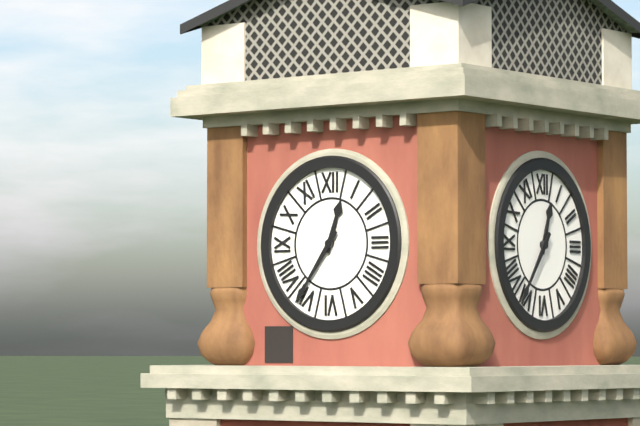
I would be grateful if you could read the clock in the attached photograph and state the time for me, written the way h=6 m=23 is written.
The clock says h=12 m=36
